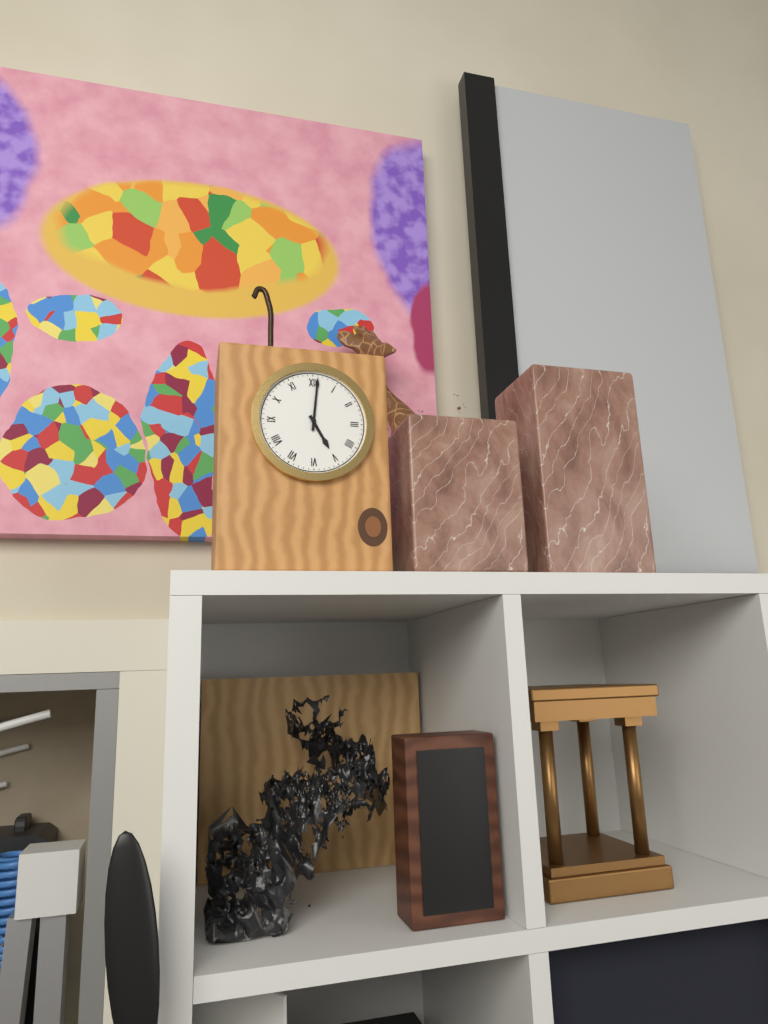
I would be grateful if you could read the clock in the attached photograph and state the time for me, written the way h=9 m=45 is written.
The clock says h=5 m=1
